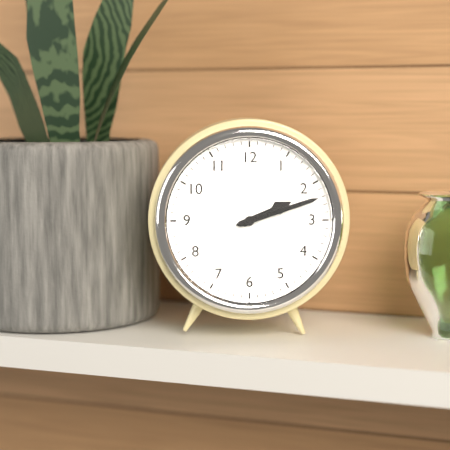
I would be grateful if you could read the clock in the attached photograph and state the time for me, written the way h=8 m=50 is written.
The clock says h=2 m=12
